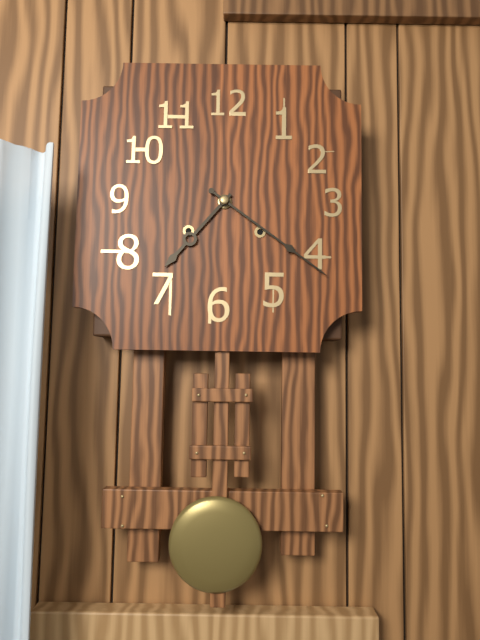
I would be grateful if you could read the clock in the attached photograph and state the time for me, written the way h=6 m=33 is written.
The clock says h=7 m=21
